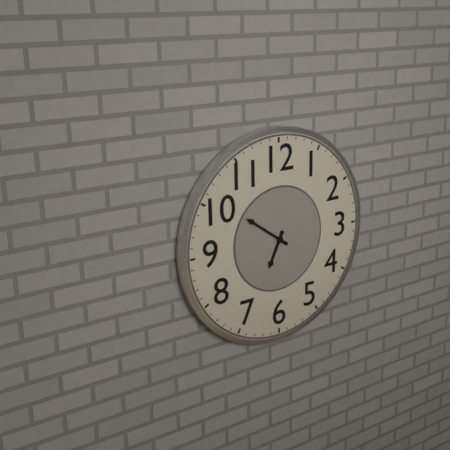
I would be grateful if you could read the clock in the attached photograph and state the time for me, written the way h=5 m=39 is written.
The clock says h=6 m=51
